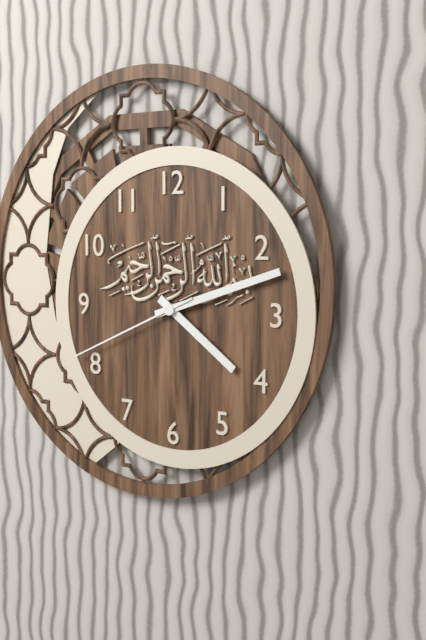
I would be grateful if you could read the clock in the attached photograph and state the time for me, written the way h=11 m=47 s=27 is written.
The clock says h=4 m=12 s=41
